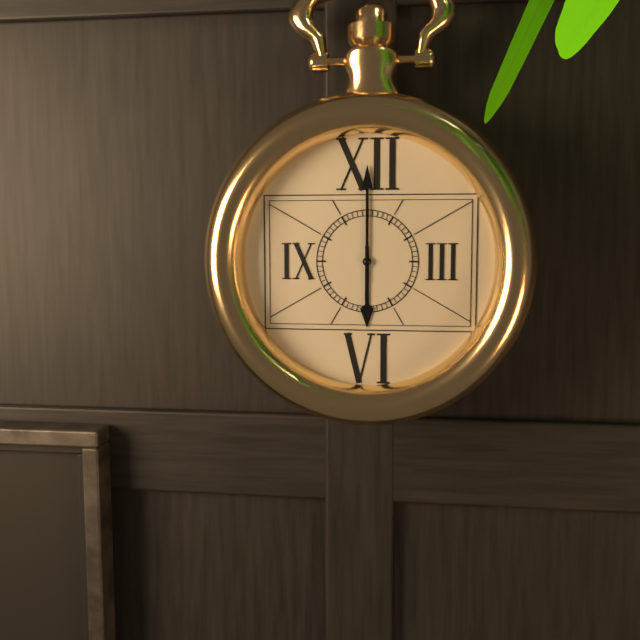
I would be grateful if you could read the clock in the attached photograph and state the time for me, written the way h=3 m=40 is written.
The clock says h=6 m=0
